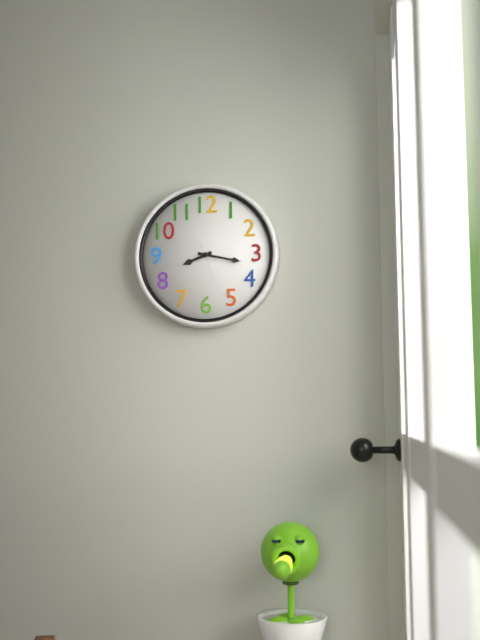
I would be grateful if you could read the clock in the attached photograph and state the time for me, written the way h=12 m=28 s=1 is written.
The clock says h=8 m=17 s=26
